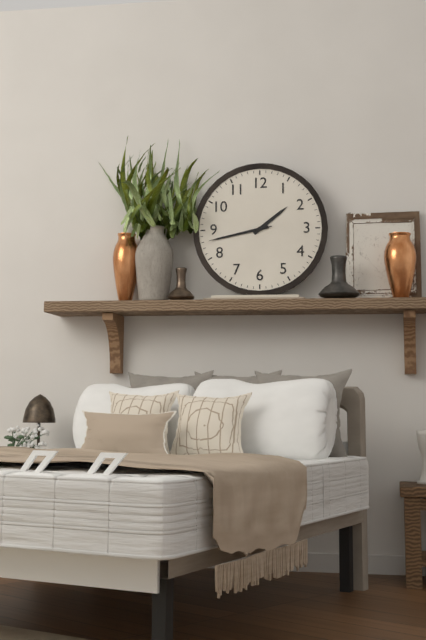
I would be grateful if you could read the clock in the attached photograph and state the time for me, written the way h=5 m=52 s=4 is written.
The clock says h=1 m=43 s=43
